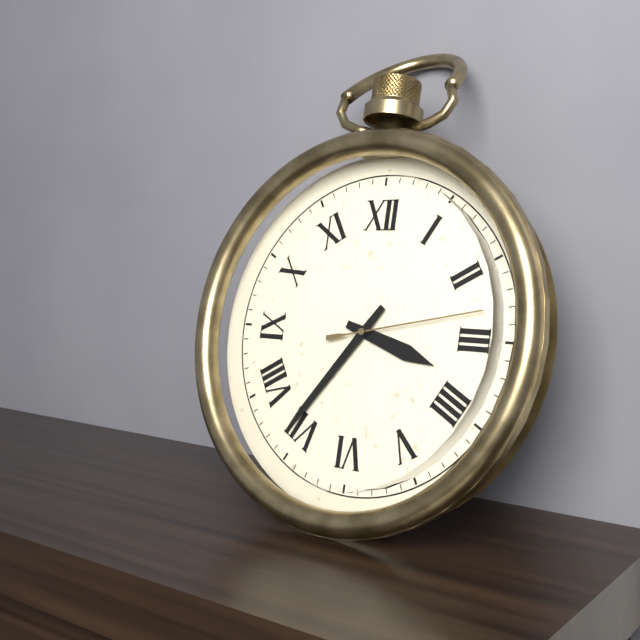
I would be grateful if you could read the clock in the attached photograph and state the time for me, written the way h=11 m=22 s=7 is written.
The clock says h=3 m=36 s=13
